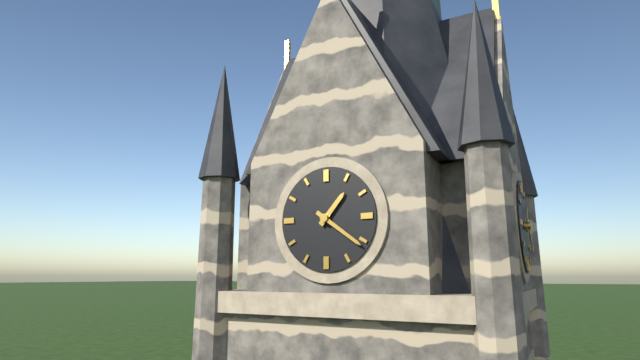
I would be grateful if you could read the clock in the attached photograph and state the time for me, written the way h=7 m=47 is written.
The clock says h=1 m=21
